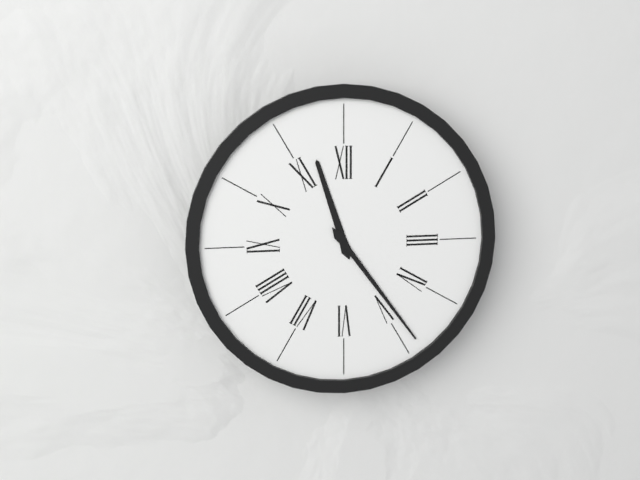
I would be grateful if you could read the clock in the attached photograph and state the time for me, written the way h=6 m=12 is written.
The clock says h=11 m=24
